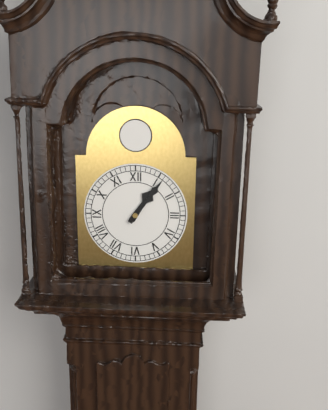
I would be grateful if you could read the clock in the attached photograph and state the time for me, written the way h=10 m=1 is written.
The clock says h=1 m=6
